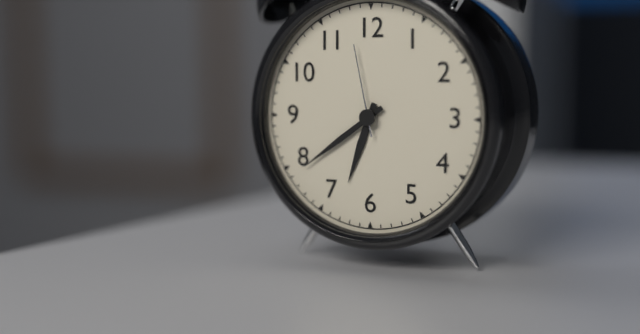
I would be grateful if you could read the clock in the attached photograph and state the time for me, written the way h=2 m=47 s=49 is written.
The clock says h=6 m=39 s=58
